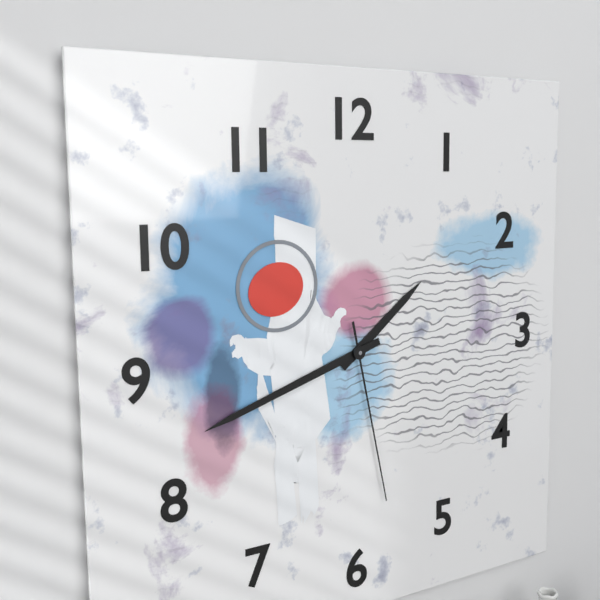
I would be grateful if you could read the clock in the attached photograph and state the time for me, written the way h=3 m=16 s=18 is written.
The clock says h=1 m=42 s=28
